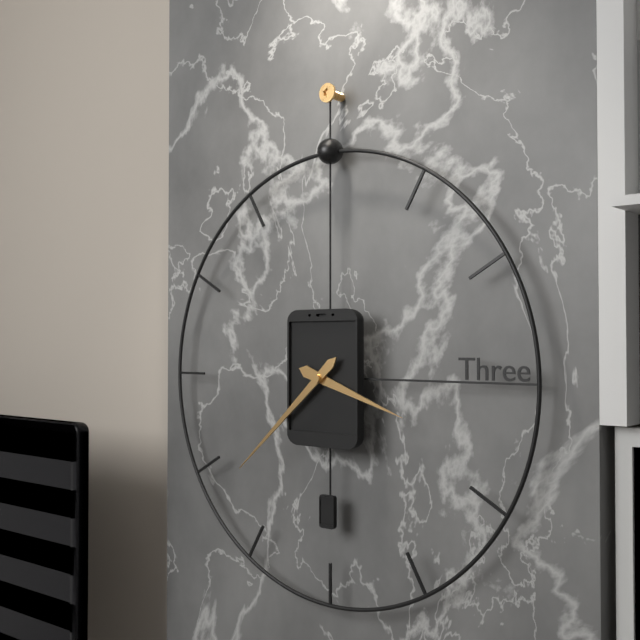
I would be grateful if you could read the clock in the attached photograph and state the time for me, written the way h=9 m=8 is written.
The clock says h=3 m=38
